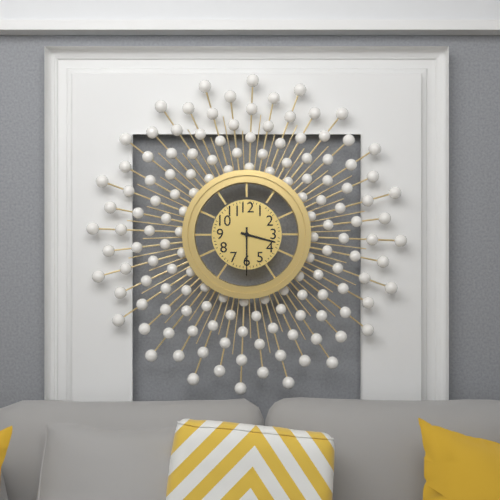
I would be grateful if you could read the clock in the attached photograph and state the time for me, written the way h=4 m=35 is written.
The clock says h=3 m=30
